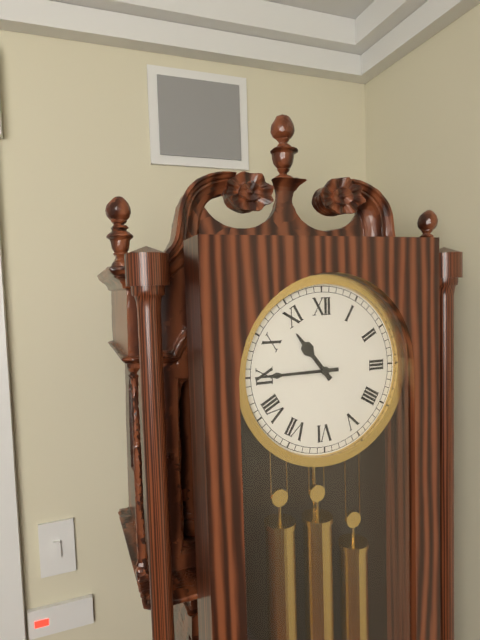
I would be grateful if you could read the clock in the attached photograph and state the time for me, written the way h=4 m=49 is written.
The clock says h=10 m=45
